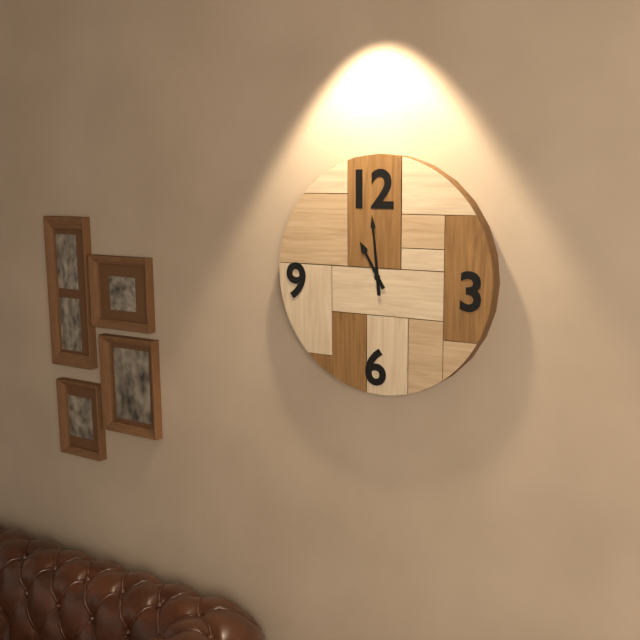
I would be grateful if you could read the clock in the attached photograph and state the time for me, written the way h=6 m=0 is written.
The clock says h=10 m=59
